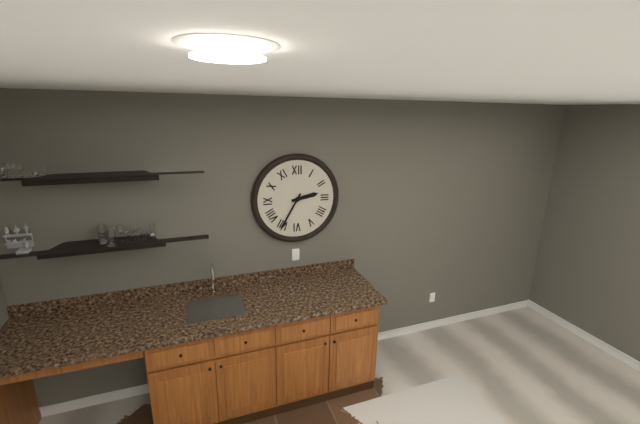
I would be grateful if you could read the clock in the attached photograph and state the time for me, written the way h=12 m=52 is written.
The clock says h=2 m=35
